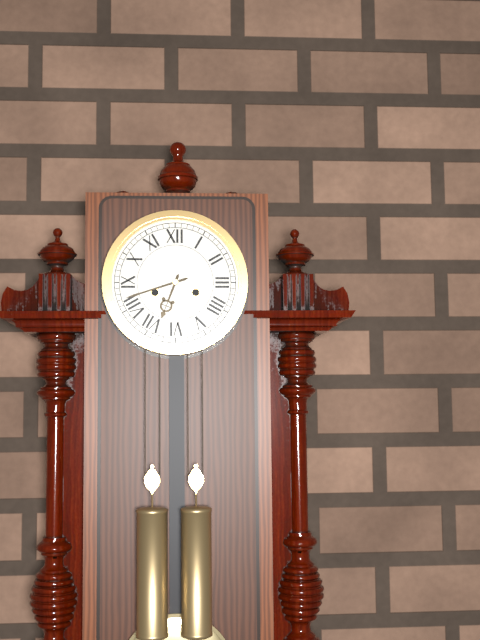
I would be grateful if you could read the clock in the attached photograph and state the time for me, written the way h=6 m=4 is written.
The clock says h=6 m=42
